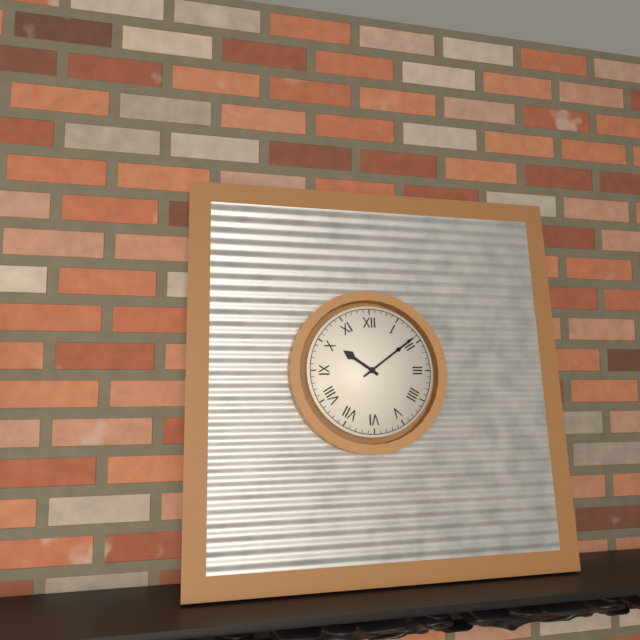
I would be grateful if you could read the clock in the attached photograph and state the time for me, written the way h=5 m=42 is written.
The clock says h=10 m=9
